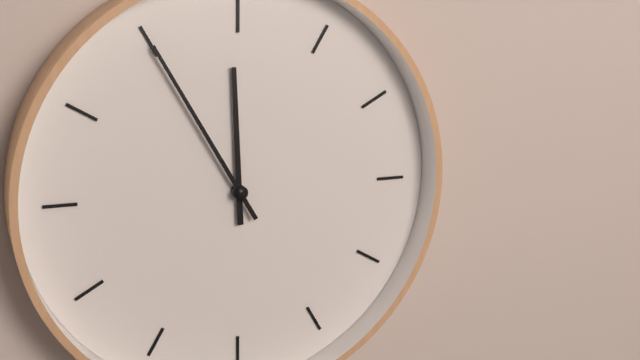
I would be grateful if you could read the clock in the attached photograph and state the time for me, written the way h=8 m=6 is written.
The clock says h=11 m=55
